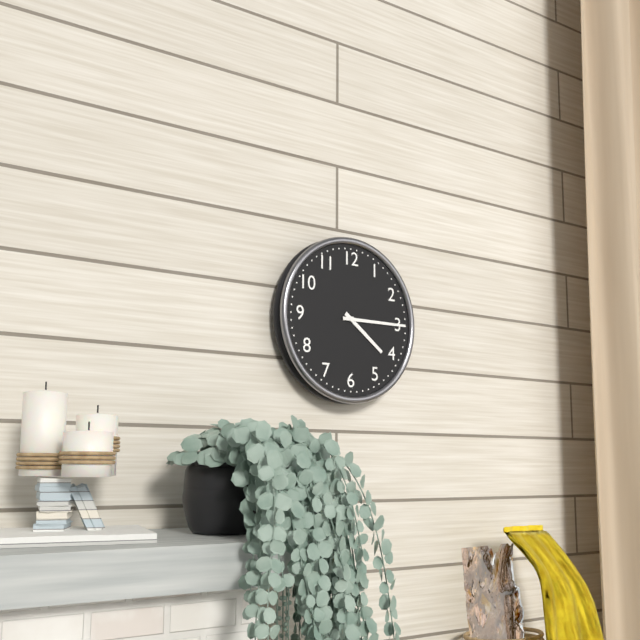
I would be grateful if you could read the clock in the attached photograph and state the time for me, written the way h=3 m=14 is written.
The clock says h=4 m=15
